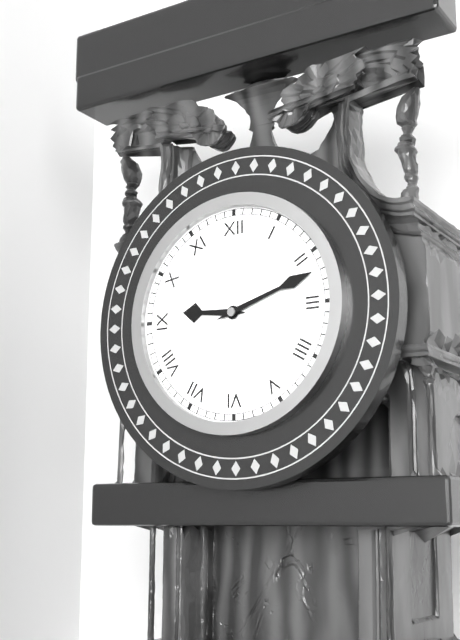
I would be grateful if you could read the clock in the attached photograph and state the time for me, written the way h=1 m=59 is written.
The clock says h=9 m=12
